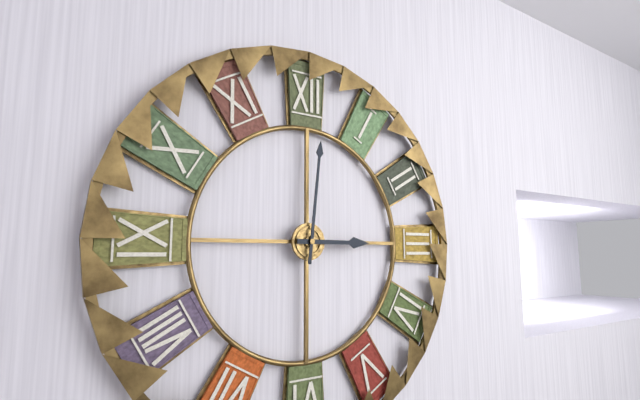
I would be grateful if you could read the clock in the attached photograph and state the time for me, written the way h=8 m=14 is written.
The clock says h=3 m=1
